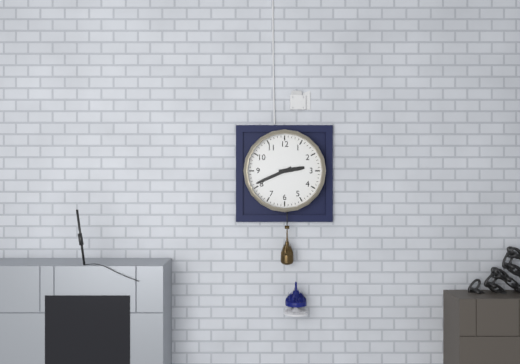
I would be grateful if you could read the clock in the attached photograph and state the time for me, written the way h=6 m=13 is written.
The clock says h=2 m=41
